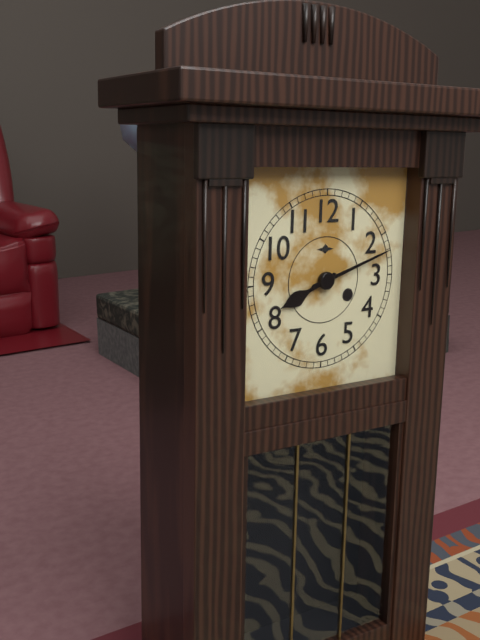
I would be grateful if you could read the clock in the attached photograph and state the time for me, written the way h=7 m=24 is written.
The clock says h=8 m=12
